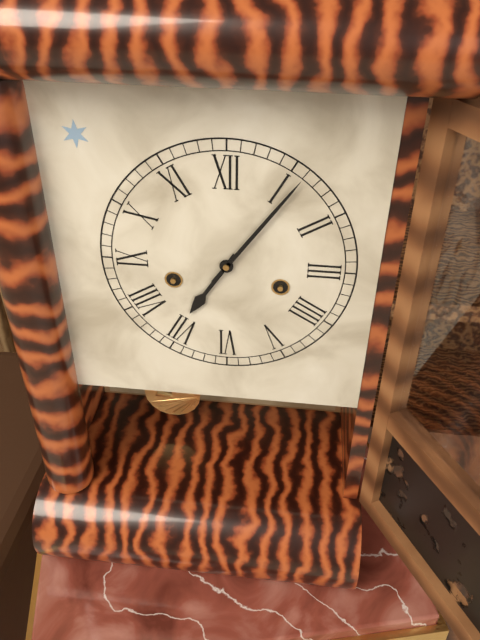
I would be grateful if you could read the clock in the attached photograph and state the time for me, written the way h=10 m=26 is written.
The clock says h=7 m=6
